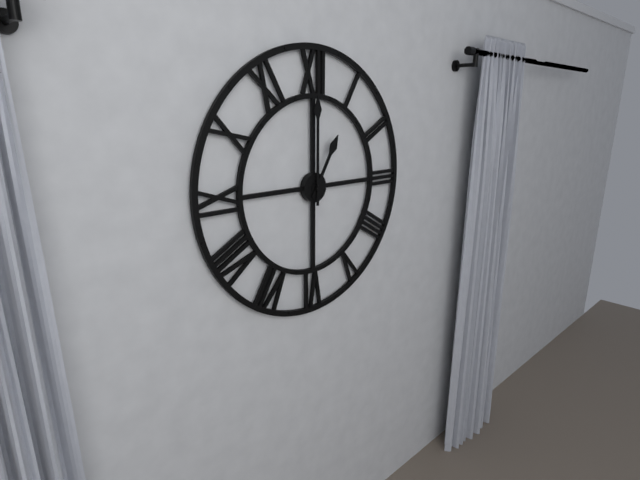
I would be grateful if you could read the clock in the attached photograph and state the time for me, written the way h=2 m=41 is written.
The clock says h=1 m=0
